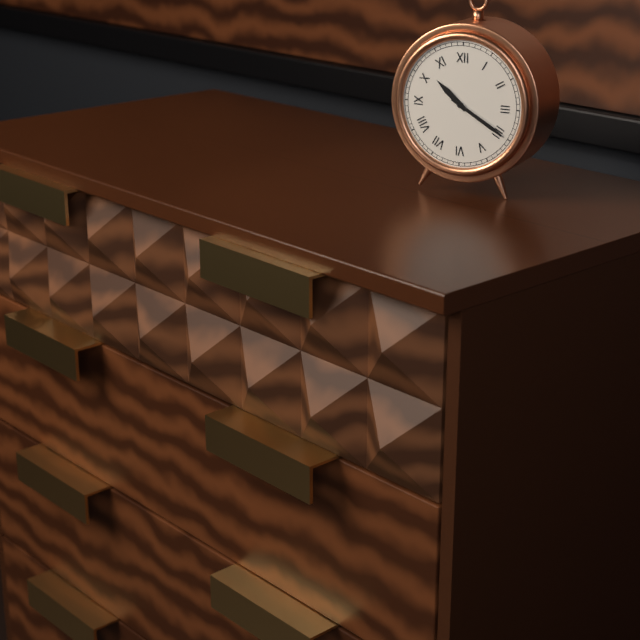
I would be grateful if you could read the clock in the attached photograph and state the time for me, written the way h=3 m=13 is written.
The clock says h=10 m=20
